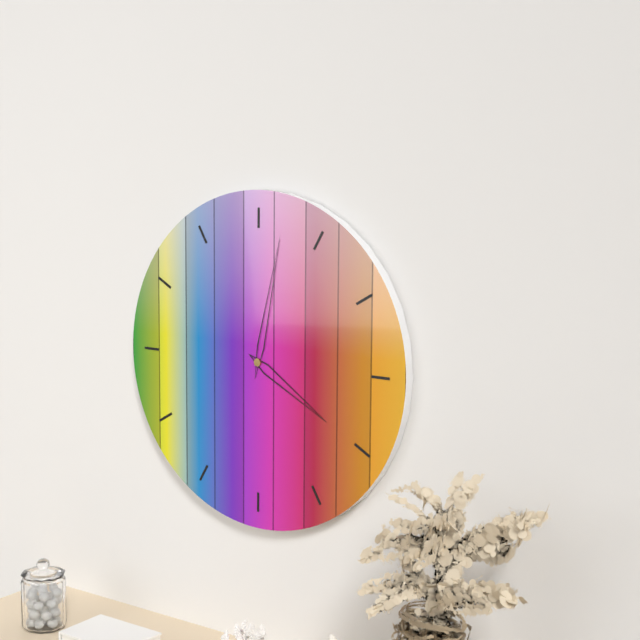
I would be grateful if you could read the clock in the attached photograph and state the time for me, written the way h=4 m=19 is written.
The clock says h=4 m=2
